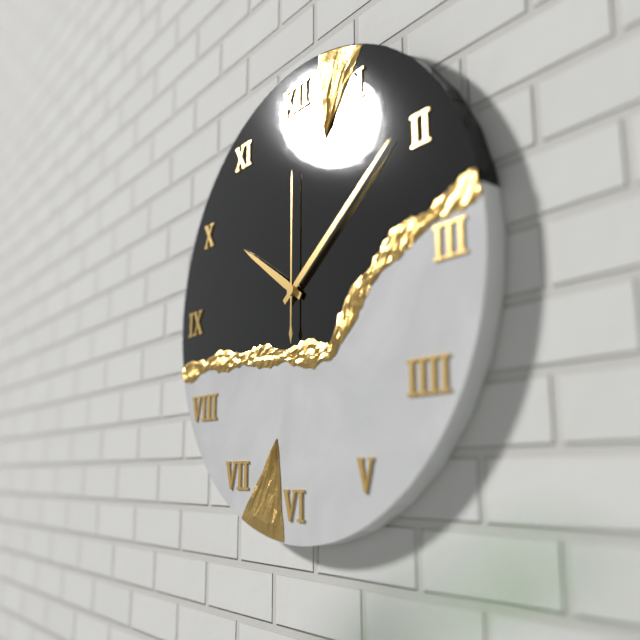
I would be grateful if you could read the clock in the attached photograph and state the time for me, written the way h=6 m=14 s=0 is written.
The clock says h=10 m=9 s=0
